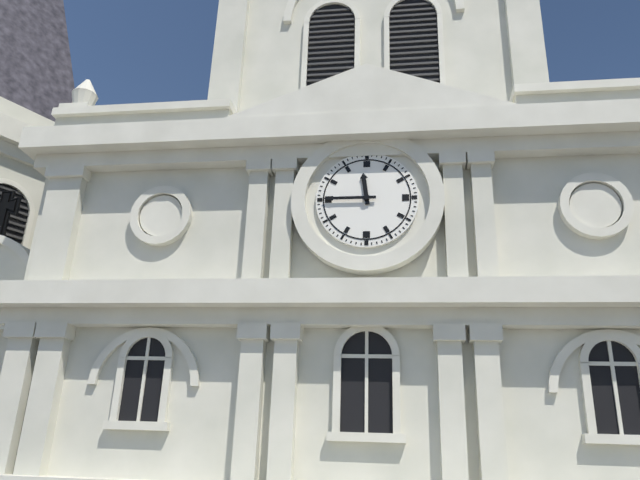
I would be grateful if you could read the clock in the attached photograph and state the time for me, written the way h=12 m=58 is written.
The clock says h=11 m=45
